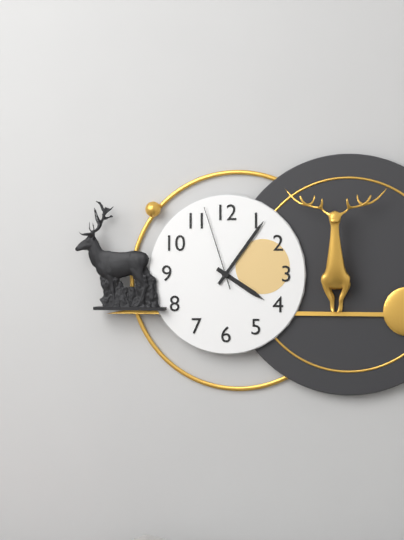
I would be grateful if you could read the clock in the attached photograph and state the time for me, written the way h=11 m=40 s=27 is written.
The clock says h=4 m=6 s=57
